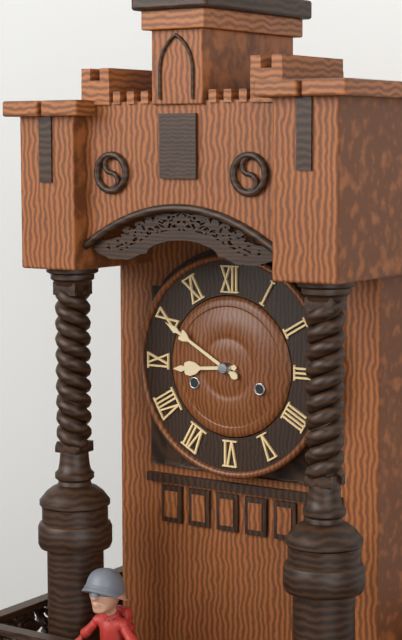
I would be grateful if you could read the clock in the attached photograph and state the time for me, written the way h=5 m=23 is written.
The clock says h=8 m=50
